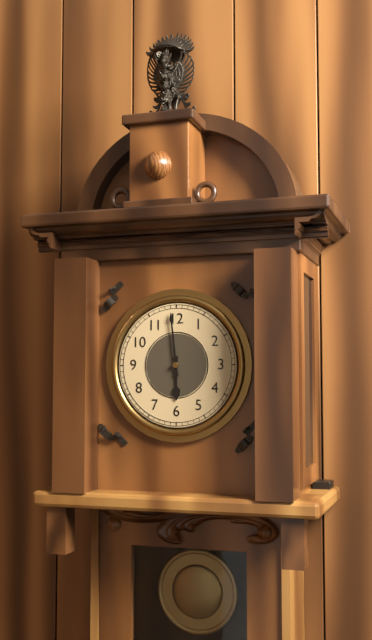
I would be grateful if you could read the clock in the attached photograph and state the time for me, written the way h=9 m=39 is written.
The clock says h=5 m=59
